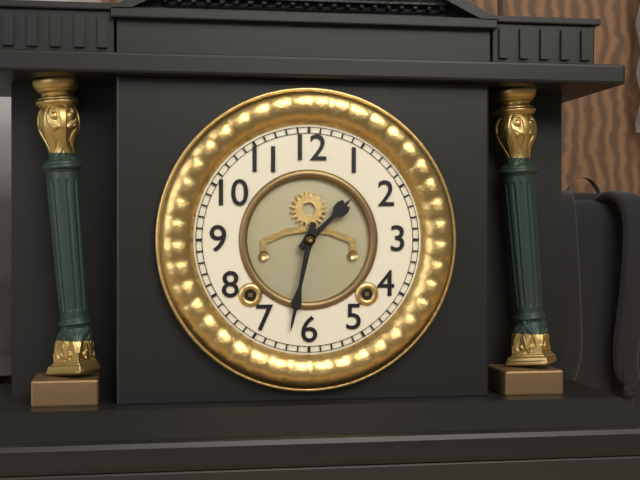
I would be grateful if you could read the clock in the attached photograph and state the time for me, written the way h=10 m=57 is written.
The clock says h=1 m=32
